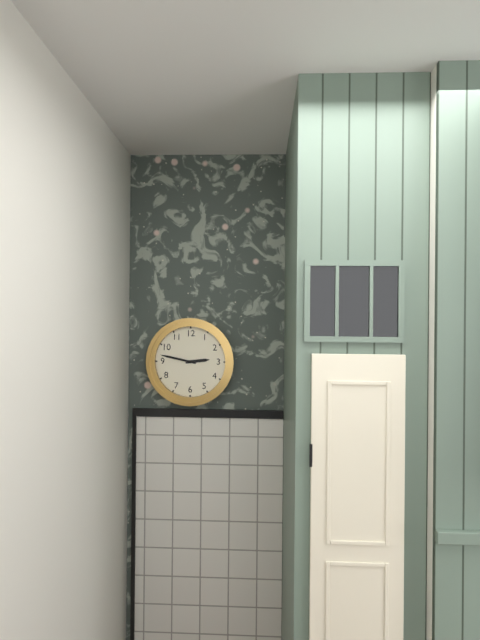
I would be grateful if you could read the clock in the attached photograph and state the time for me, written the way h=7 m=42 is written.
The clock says h=2 m=47
